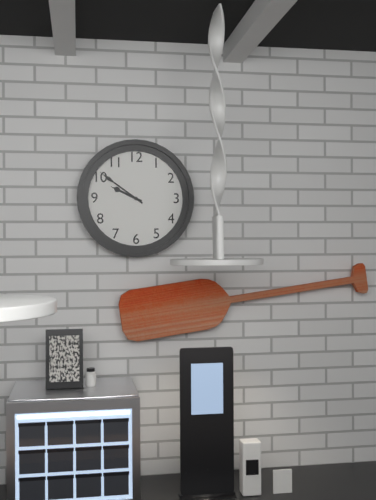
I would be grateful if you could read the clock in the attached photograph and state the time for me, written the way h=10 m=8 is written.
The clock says h=9 m=51
